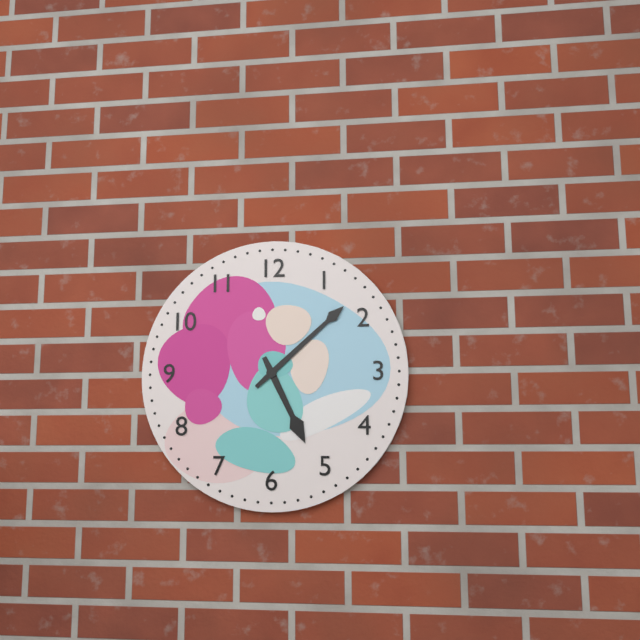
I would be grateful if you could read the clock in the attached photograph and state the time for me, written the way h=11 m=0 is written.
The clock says h=5 m=8
